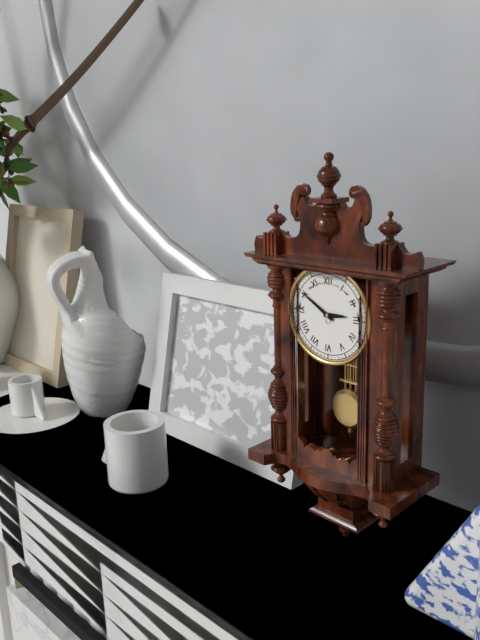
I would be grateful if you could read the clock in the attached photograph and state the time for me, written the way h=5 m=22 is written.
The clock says h=2 m=50
